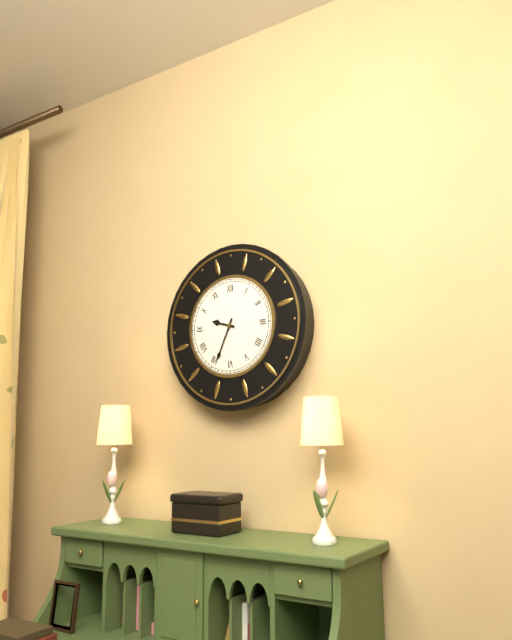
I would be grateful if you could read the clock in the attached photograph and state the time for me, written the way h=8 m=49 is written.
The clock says h=9 m=34
